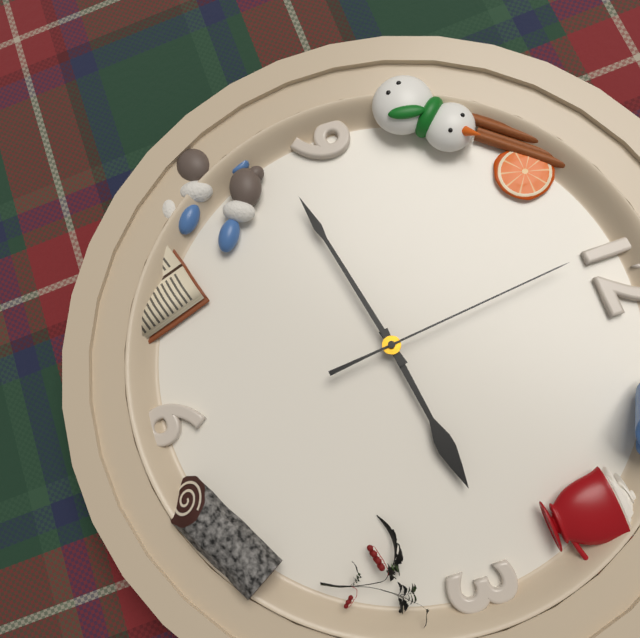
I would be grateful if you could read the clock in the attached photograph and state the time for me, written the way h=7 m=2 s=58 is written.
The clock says h=2 m=43 s=59
